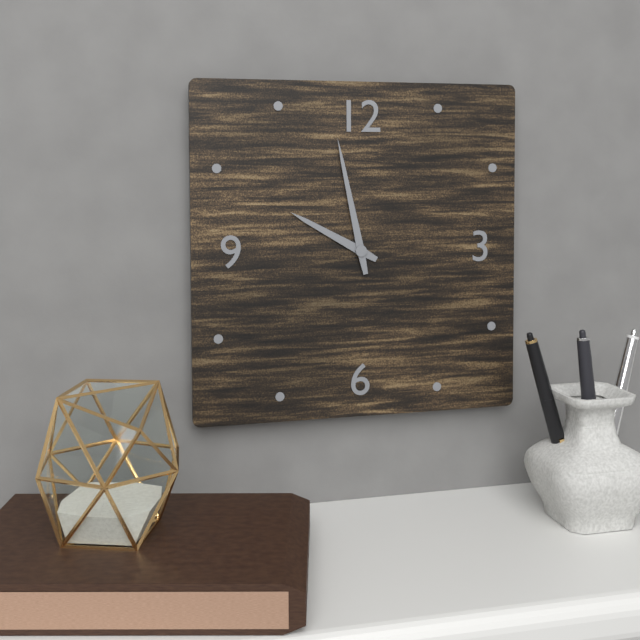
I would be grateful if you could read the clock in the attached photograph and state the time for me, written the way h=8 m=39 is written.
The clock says h=9 m=58
